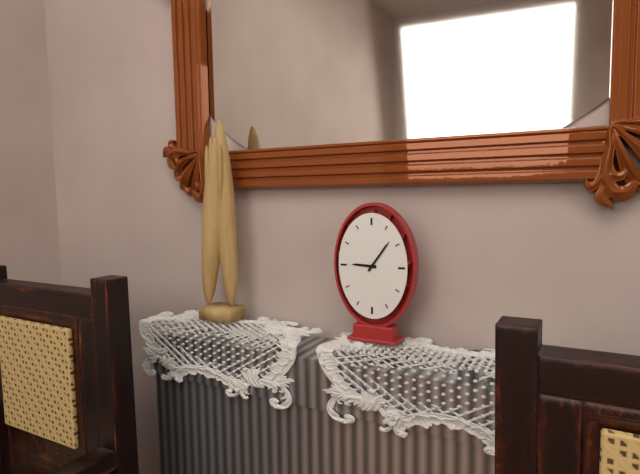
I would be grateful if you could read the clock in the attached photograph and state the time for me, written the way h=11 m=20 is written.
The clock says h=9 m=6
